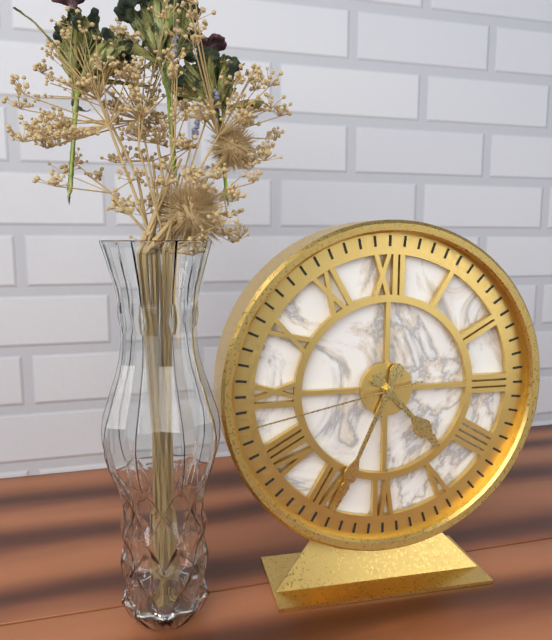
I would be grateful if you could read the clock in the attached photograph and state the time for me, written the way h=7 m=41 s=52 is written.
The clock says h=4 m=34 s=43
